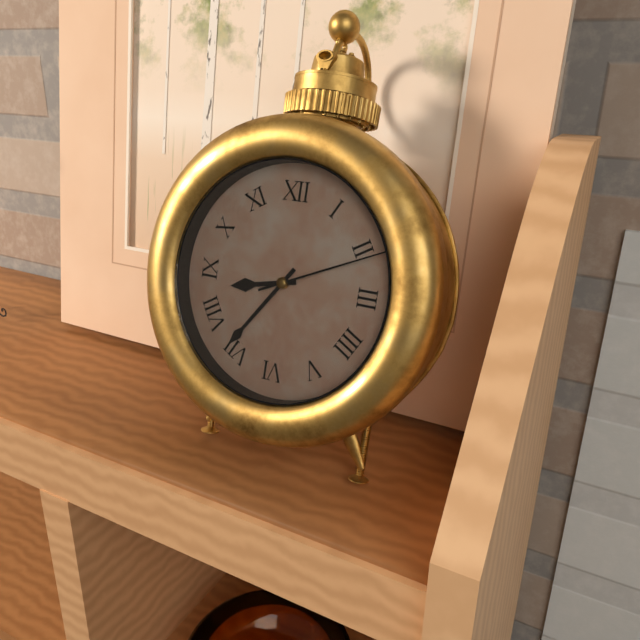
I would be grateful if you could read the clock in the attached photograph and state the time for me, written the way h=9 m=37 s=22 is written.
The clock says h=8 m=36 s=11
